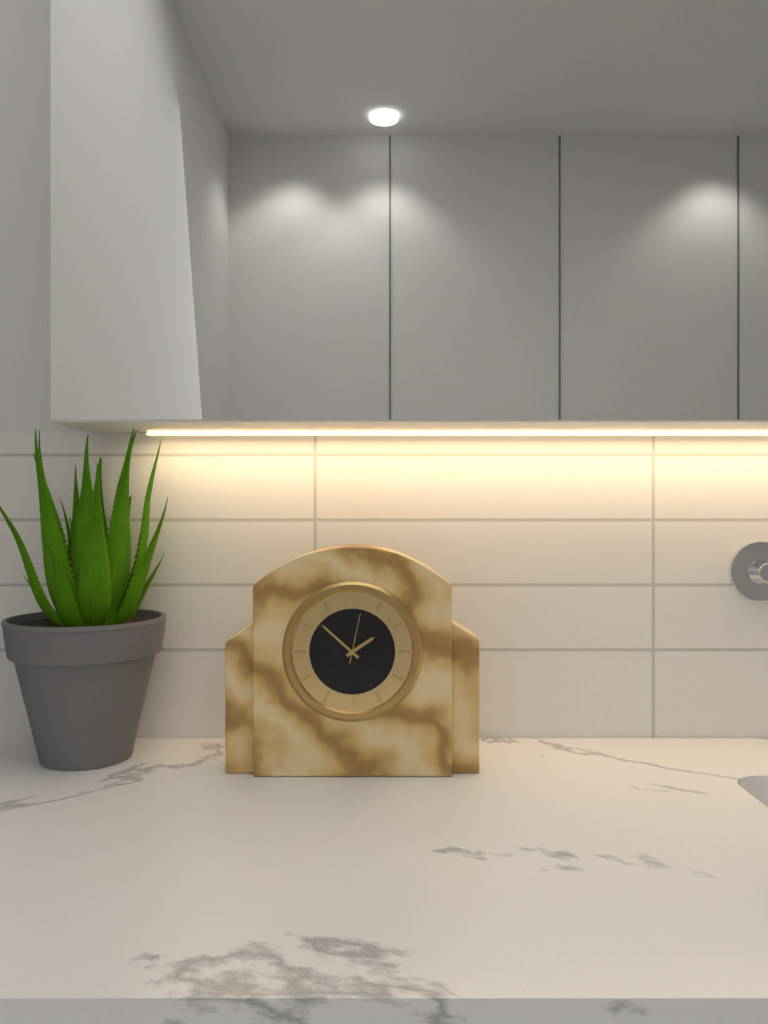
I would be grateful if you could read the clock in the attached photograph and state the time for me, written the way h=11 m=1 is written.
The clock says h=1 m=52
